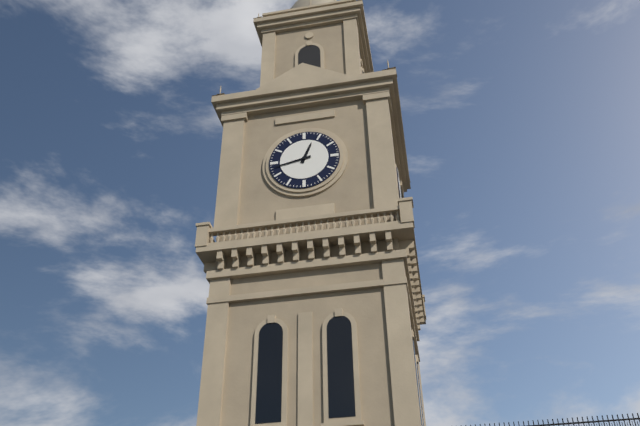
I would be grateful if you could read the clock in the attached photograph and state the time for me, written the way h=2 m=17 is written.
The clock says h=12 m=43
